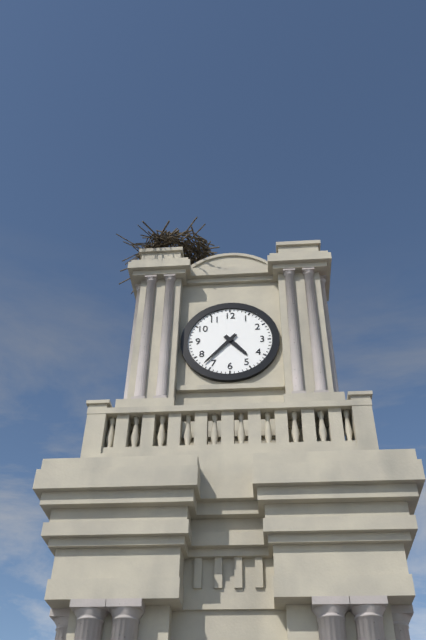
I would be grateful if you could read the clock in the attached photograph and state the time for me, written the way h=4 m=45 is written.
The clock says h=4 m=37
